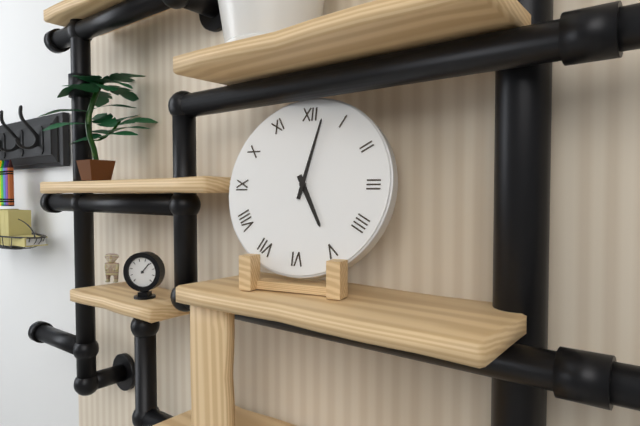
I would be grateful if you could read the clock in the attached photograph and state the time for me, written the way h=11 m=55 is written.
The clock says h=5 m=2
